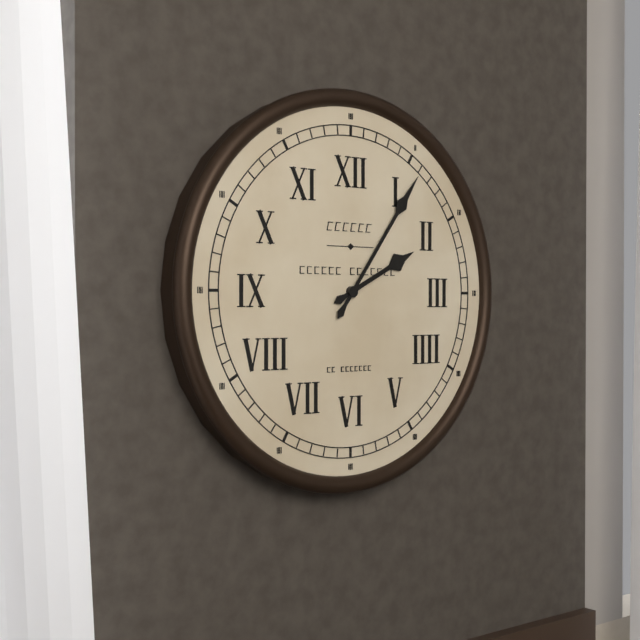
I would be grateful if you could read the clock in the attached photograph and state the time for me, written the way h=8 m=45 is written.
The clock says h=2 m=6
